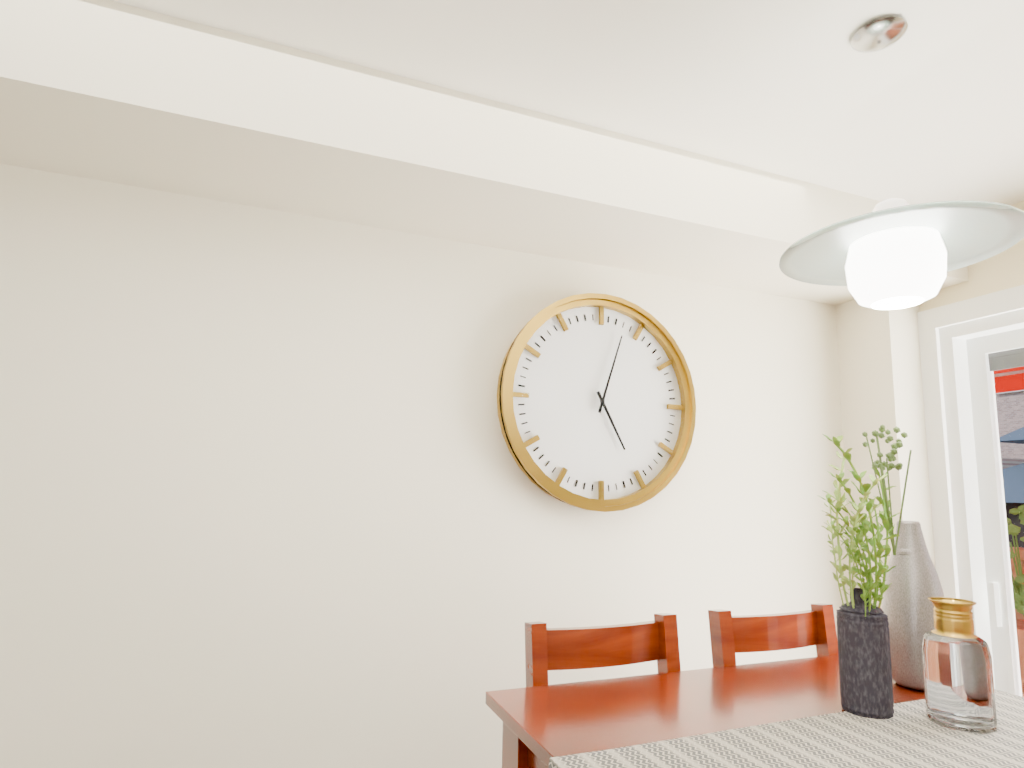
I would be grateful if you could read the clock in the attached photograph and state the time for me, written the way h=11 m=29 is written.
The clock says h=5 m=3
